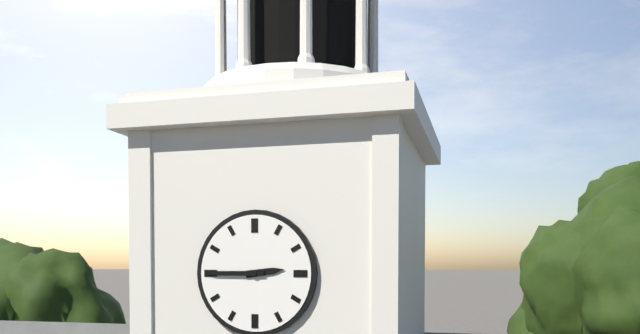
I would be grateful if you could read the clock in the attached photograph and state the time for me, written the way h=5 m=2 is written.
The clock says h=2 m=45
